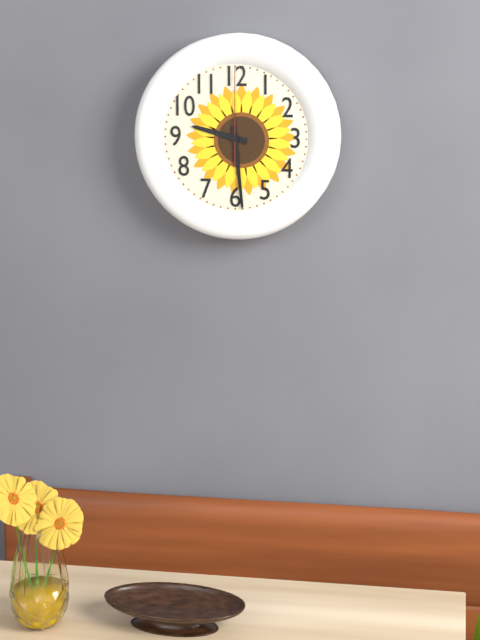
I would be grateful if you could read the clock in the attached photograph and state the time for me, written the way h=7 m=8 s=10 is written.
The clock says h=9 m=29 s=0
